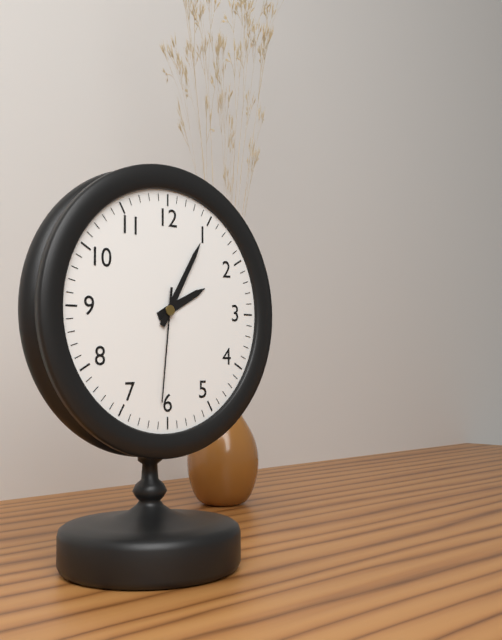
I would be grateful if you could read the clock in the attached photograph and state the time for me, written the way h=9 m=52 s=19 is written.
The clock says h=2 m=5 s=31
